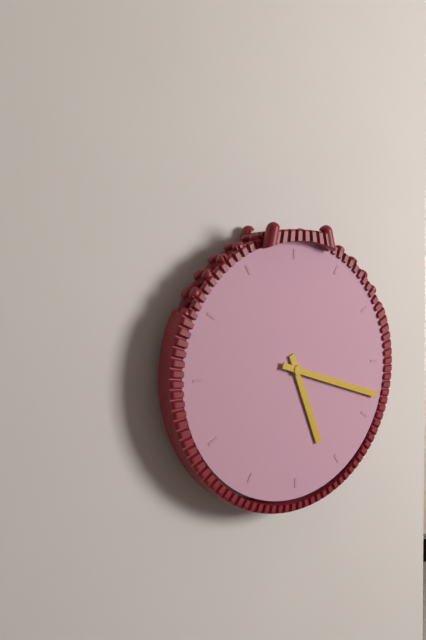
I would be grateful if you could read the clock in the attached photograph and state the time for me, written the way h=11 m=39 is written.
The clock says h=5 m=18
